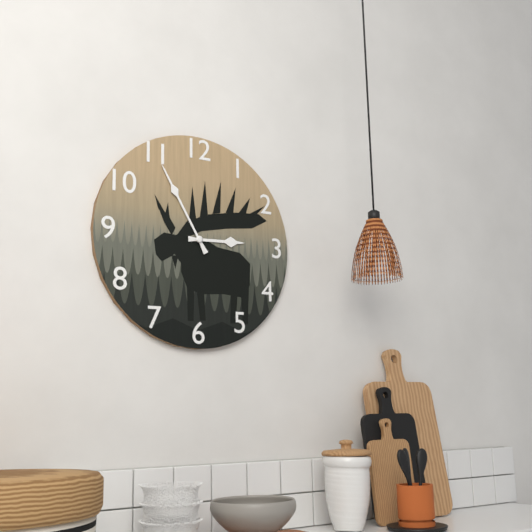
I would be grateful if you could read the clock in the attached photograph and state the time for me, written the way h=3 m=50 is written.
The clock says h=2 m=55
